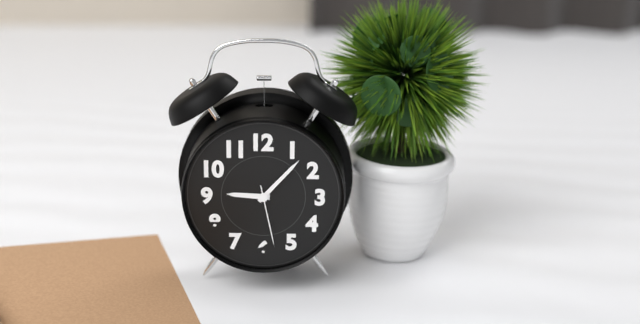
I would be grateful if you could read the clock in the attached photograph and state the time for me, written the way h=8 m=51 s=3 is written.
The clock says h=9 m=7 s=28
